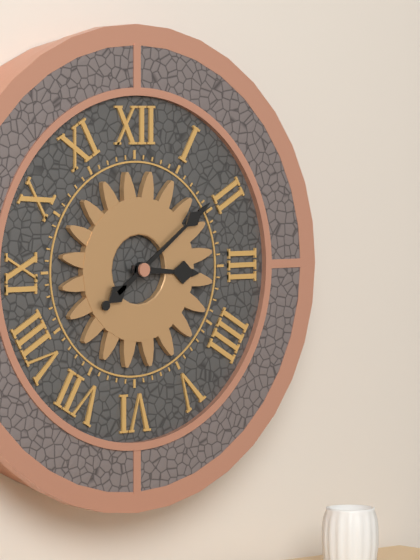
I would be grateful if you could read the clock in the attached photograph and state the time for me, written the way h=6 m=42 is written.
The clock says h=3 m=9
